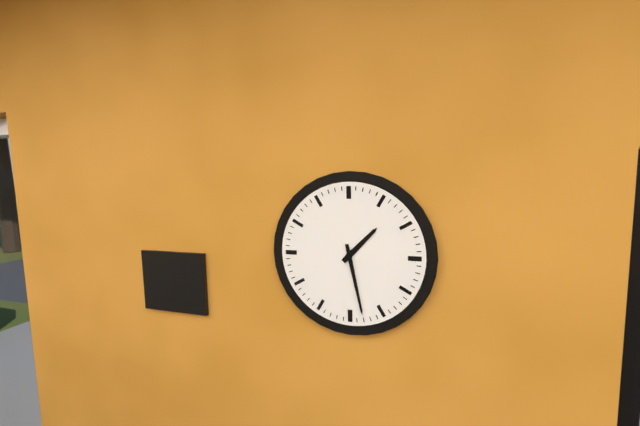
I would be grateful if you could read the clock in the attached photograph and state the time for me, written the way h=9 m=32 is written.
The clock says h=1 m=28
